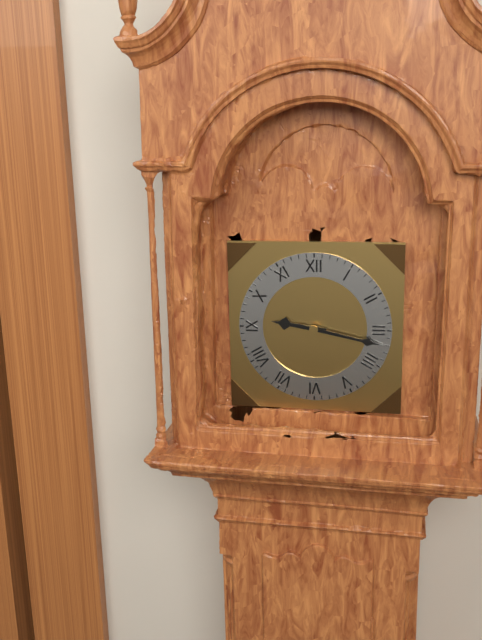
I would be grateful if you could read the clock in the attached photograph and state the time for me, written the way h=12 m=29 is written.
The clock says h=9 m=17
